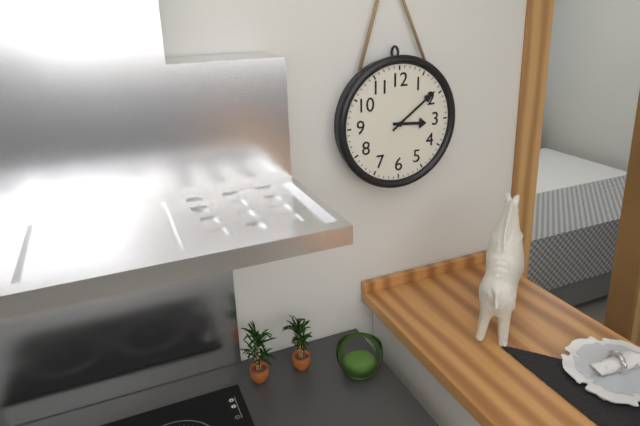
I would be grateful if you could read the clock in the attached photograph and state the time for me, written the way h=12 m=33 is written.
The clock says h=3 m=9
